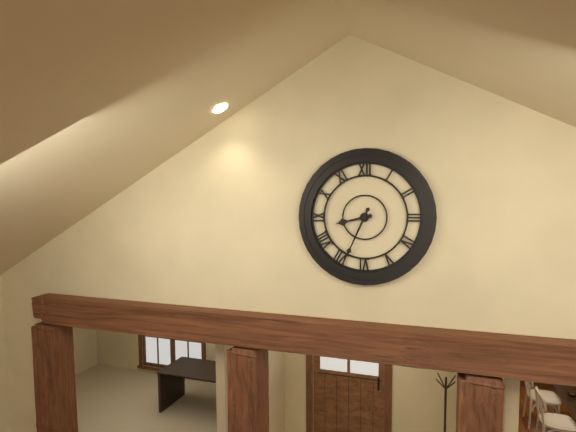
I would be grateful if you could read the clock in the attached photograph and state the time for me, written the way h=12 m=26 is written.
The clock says h=8 m=34
